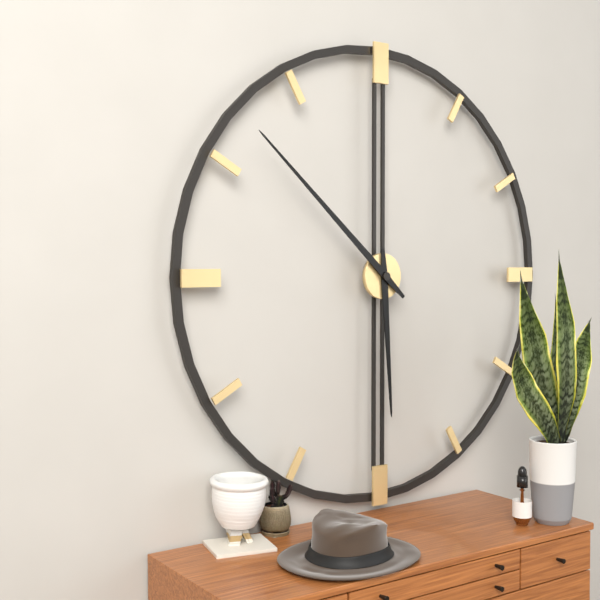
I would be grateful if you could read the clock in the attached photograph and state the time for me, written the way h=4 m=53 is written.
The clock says h=5 m=52
